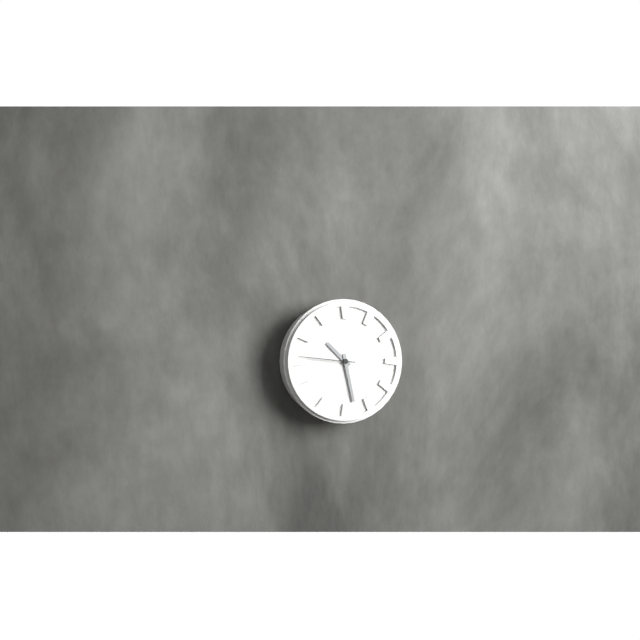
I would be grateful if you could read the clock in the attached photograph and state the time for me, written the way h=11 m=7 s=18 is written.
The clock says h=10 m=28 s=46
